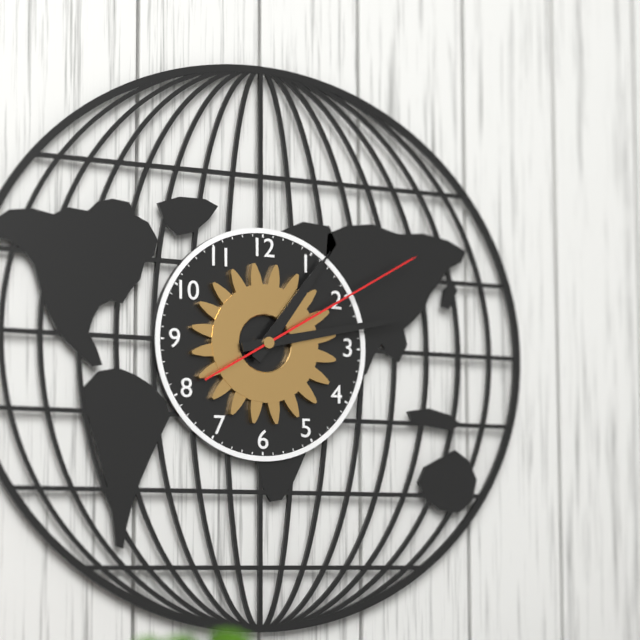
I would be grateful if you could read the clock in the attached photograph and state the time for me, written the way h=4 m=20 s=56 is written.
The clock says h=1 m=13 s=10
